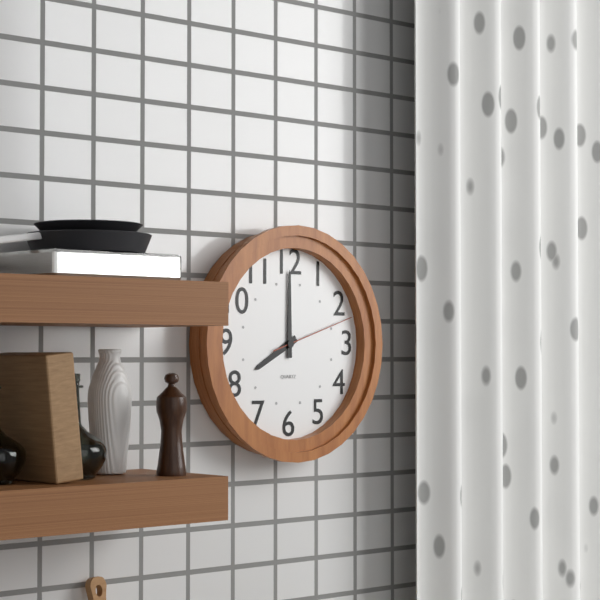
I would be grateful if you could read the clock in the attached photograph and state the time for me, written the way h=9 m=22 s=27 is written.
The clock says h=8 m=0 s=12
